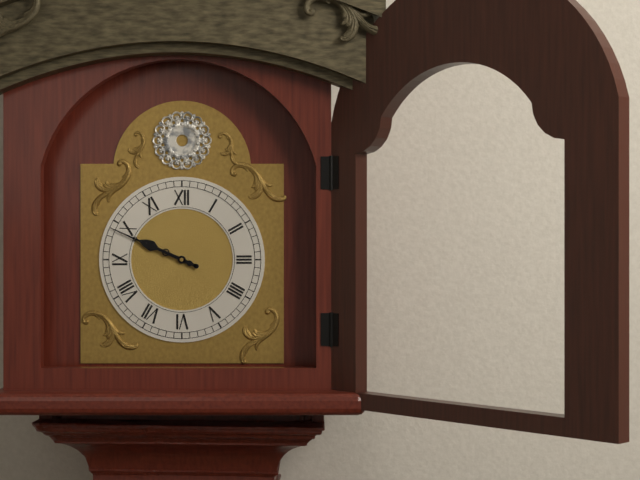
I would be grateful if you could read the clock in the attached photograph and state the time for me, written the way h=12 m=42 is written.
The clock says h=9 m=49
